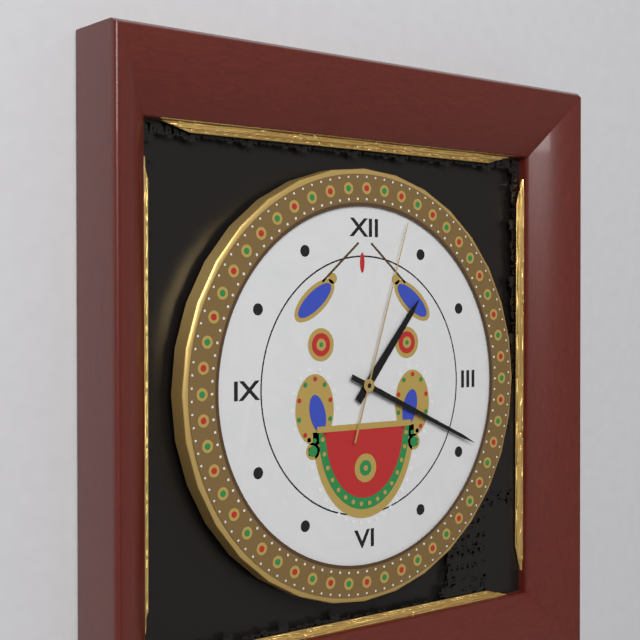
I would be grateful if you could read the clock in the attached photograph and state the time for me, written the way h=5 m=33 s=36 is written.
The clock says h=1 m=19 s=3
